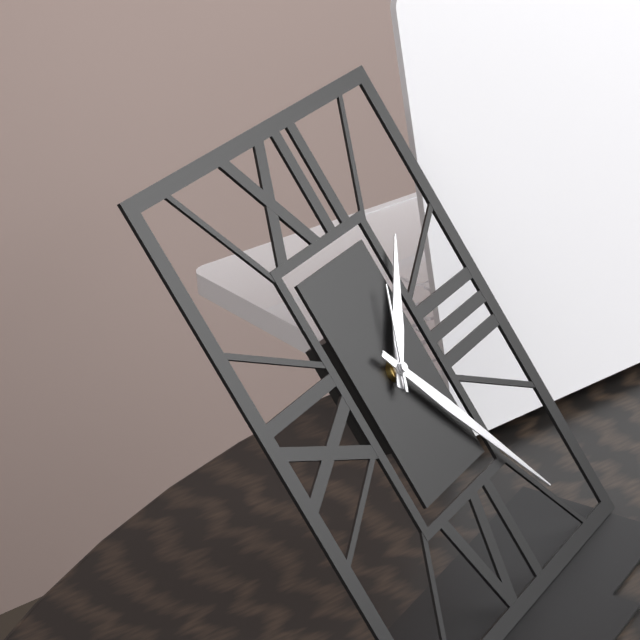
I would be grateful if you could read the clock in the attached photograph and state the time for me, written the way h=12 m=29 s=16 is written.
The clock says h=1 m=25 s=5
